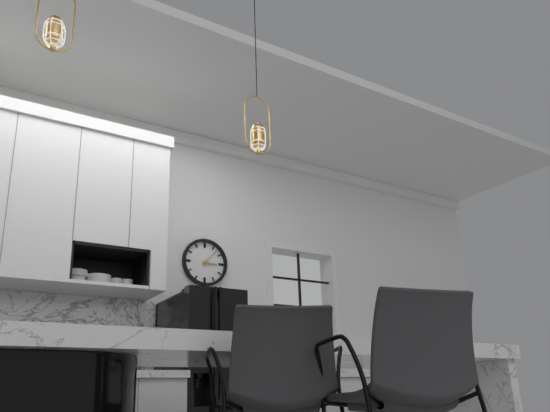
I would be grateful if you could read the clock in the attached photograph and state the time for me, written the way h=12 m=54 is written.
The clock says h=3 m=7
